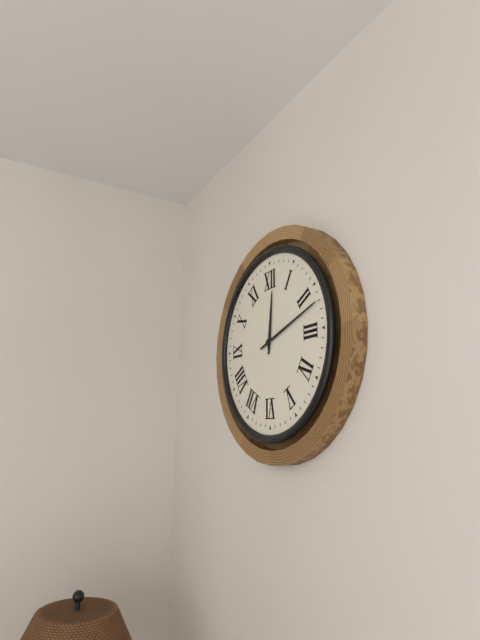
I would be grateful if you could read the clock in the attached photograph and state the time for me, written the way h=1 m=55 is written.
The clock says h=12 m=12
